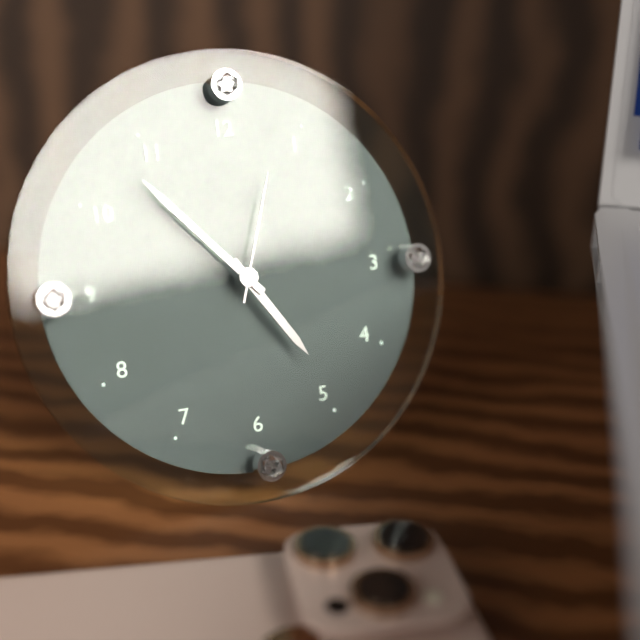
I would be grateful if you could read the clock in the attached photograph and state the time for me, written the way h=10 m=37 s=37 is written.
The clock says h=4 m=53 s=3
